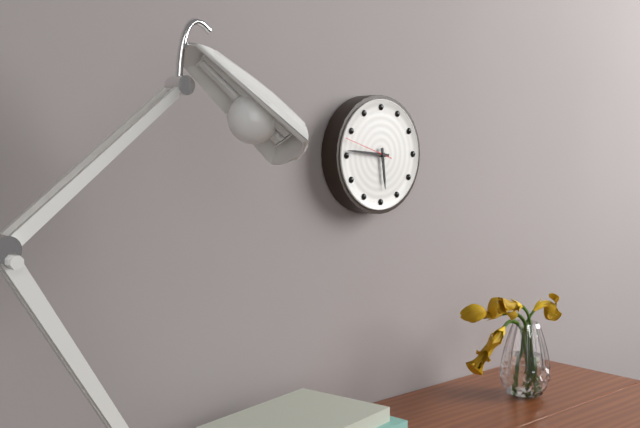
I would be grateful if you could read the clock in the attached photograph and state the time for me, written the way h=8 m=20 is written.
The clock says h=5 m=46
